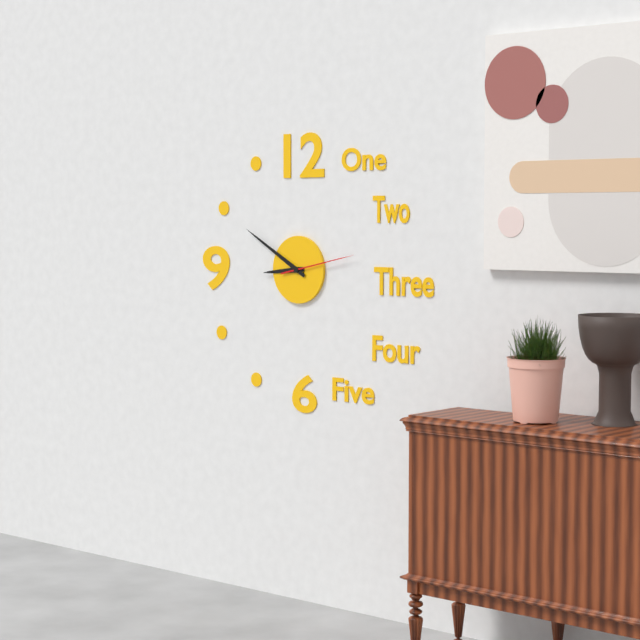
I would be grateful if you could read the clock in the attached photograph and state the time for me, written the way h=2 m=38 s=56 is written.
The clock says h=8 m=50 s=13
